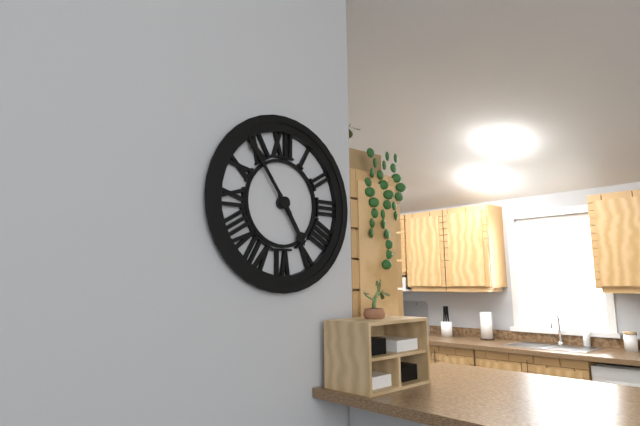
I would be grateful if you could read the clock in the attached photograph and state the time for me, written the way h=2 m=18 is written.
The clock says h=4 m=54
